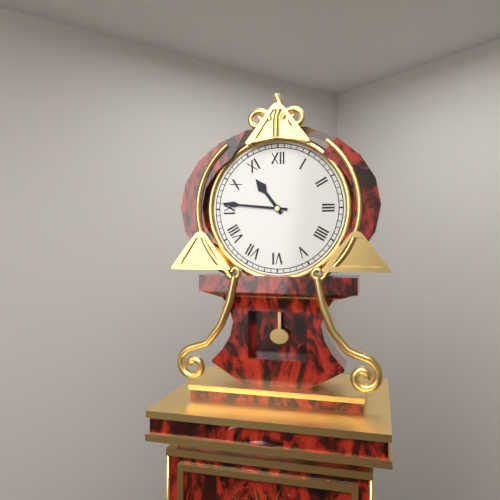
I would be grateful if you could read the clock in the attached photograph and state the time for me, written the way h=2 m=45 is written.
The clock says h=10 m=46
